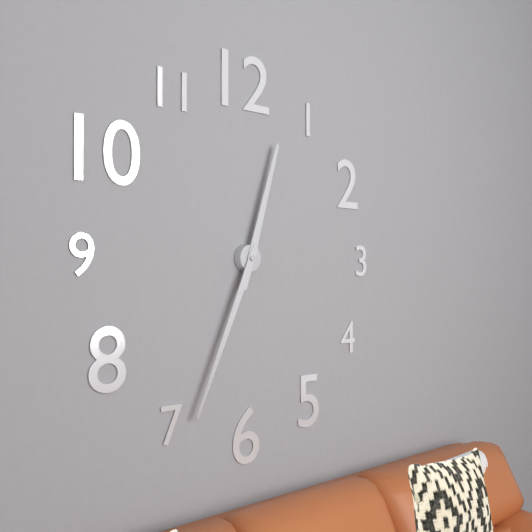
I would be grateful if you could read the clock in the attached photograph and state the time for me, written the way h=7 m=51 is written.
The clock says h=12 m=34
